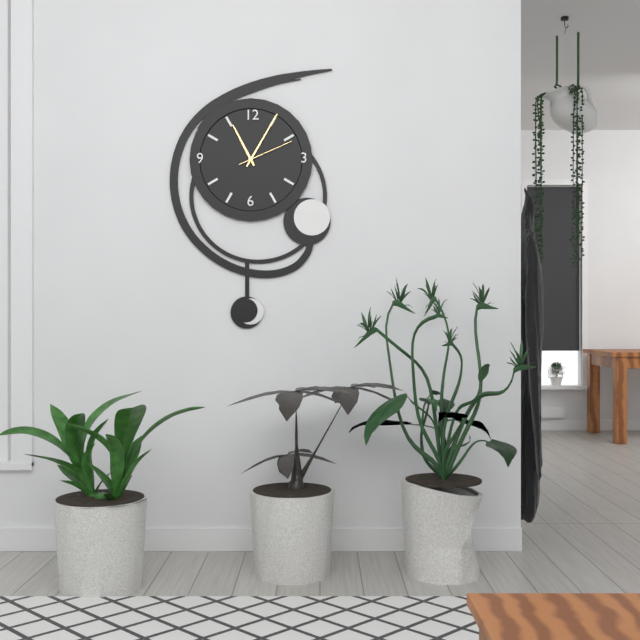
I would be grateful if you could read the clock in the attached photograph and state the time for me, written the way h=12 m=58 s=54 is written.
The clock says h=11 m=5 s=11
